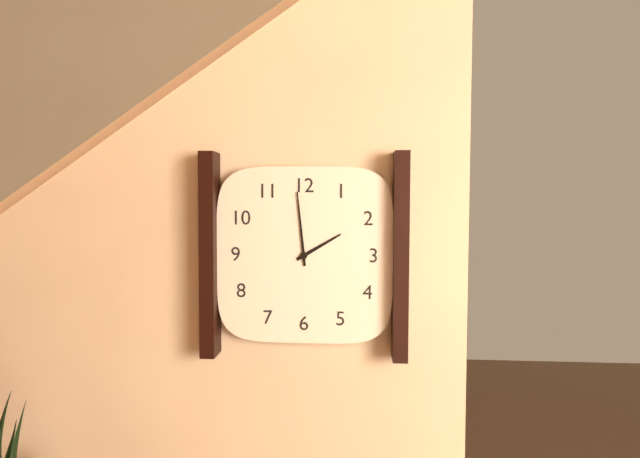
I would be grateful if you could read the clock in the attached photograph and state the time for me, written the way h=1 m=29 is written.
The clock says h=1 m=59
